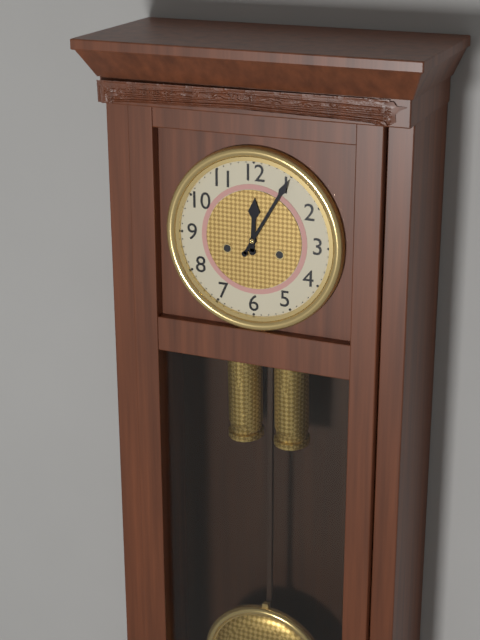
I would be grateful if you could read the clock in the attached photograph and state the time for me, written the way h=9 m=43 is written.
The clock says h=12 m=5
